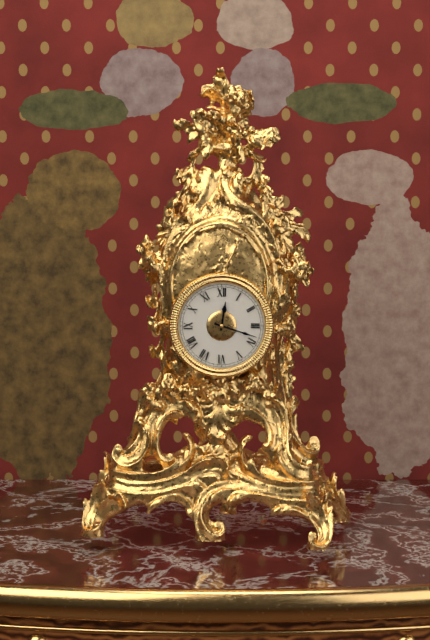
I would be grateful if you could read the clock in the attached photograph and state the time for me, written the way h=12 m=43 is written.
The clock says h=12 m=18
